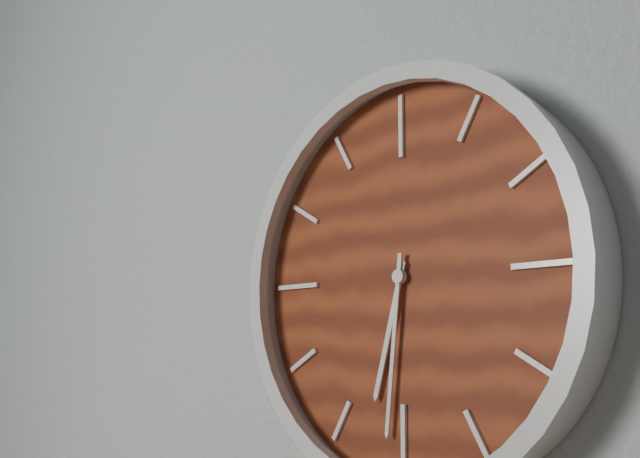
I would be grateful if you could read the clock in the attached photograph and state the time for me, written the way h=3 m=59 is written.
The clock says h=6 m=31
